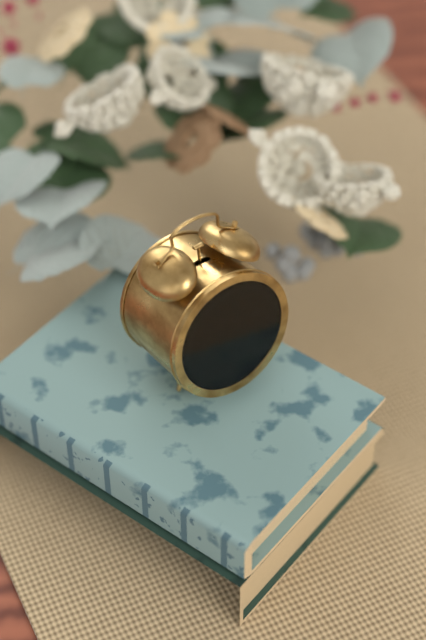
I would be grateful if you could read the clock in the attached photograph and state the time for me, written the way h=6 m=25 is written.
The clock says h=6 m=59
